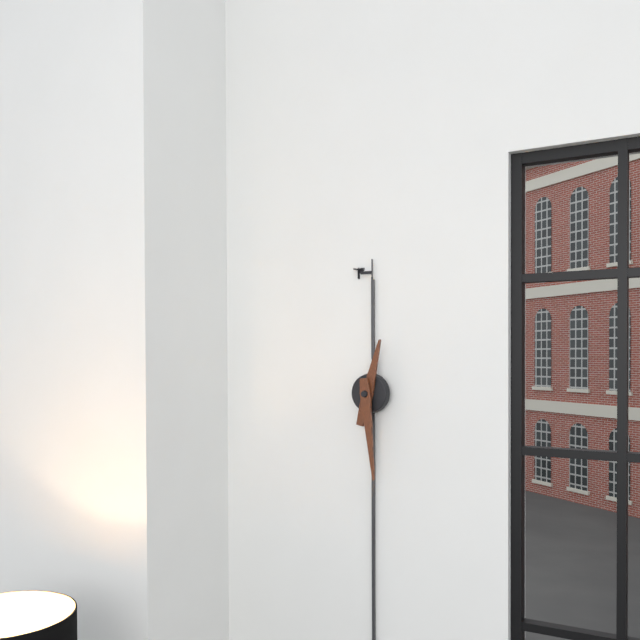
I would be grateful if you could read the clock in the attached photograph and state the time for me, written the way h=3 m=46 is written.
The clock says h=12 m=29
